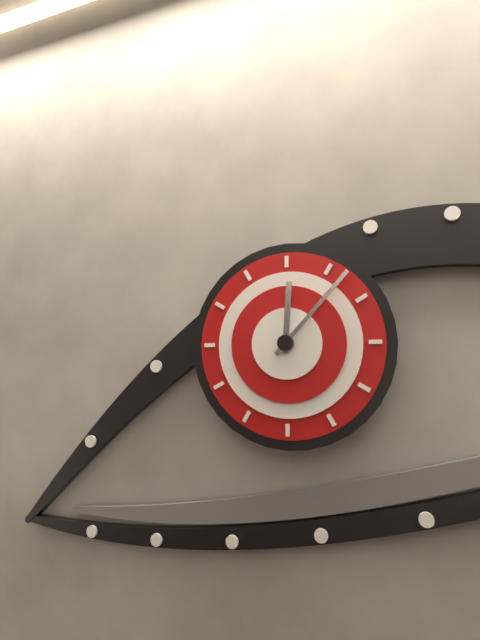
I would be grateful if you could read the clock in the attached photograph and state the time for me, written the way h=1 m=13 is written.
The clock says h=12 m=7
